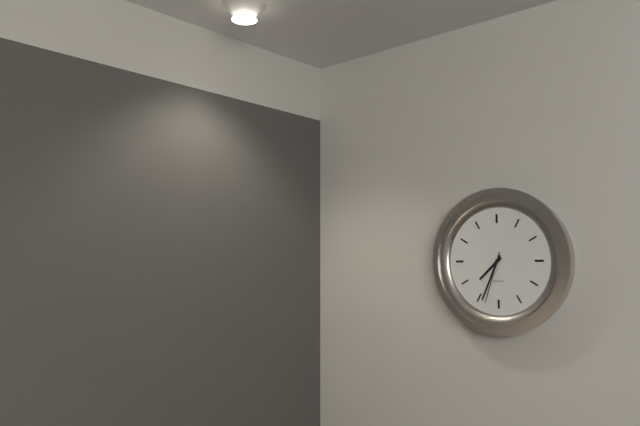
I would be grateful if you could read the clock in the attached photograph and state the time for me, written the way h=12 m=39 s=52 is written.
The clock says h=7 m=34 s=33
